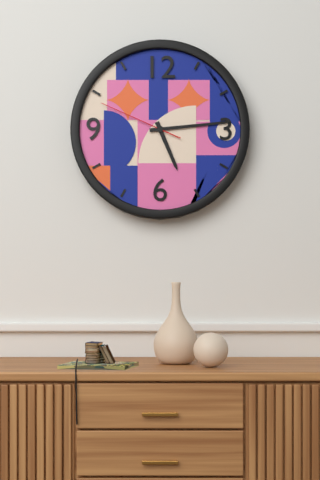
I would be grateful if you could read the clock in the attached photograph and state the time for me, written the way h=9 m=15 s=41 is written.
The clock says h=5 m=14 s=49
